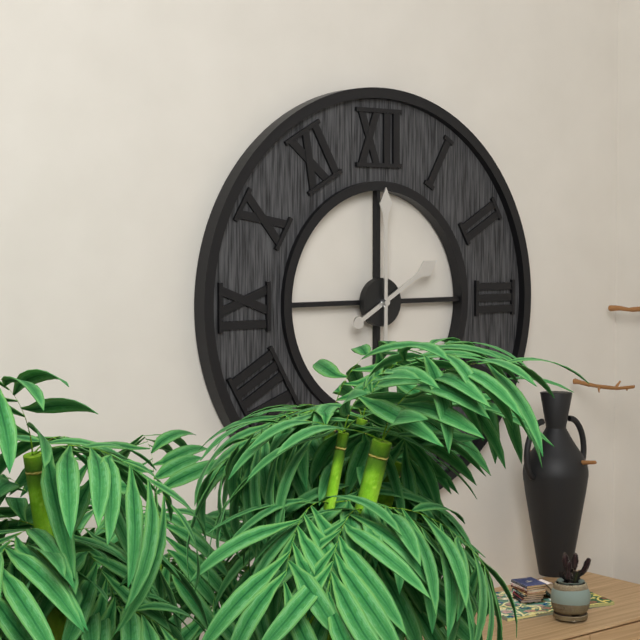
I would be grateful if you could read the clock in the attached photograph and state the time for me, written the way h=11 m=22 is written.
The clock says h=2 m=0
